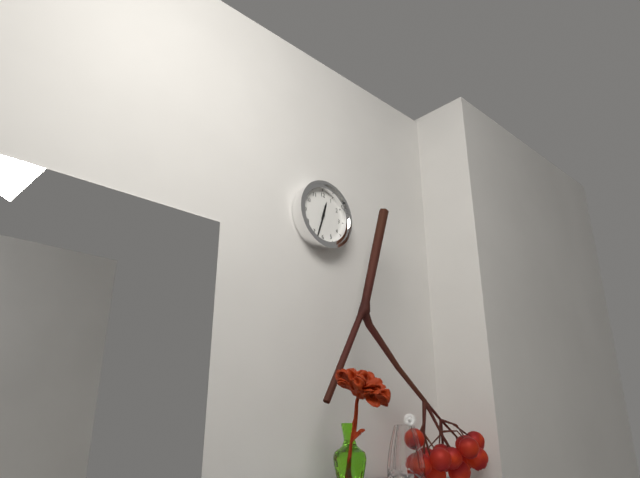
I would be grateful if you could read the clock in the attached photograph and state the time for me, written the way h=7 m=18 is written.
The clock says h=12 m=33
